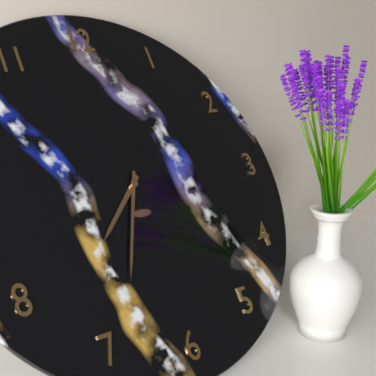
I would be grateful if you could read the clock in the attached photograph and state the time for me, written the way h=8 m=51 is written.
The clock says h=7 m=34
